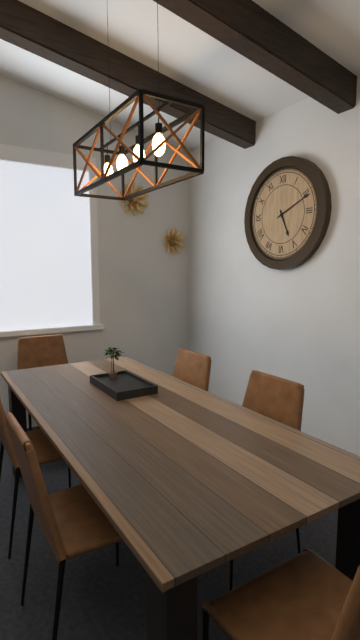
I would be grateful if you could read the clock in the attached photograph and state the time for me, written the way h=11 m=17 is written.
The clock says h=5 m=11
